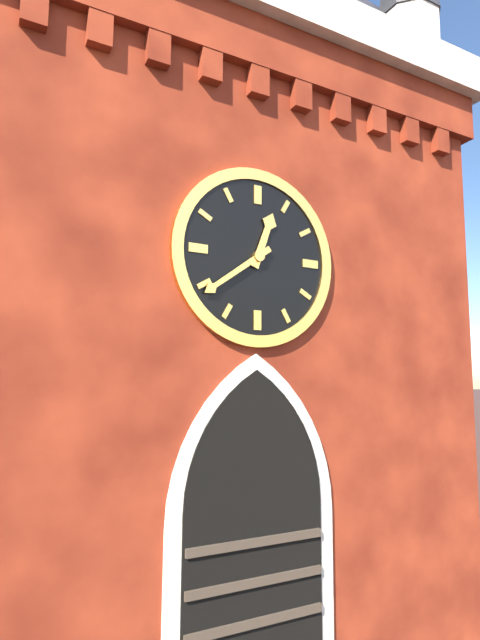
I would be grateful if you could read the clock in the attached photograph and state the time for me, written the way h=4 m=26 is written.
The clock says h=12 m=39
